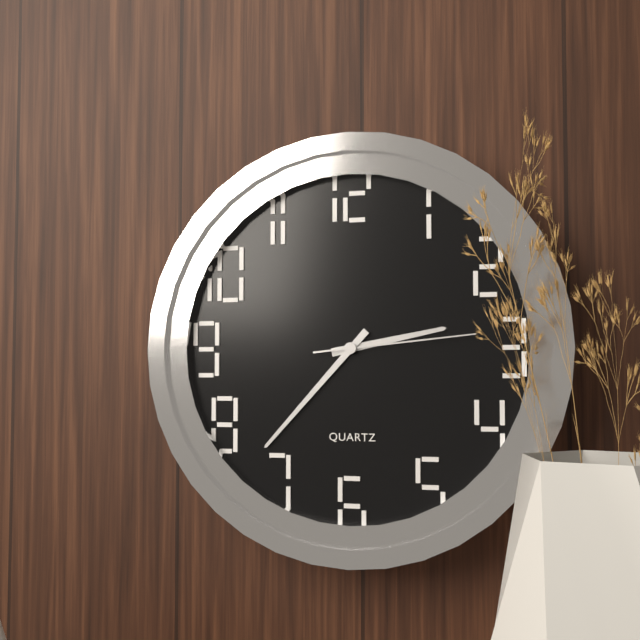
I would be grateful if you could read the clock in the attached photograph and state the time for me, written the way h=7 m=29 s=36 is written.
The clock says h=2 m=37 s=14
